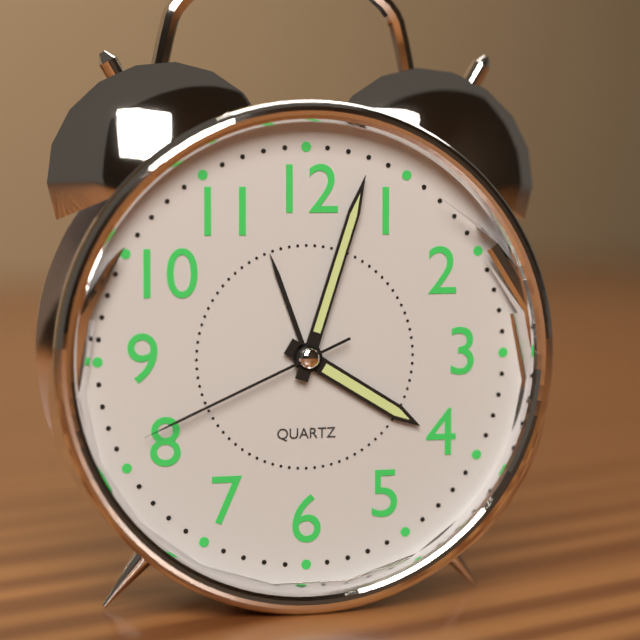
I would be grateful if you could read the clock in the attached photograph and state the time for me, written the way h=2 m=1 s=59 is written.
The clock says h=4 m=3 s=41
